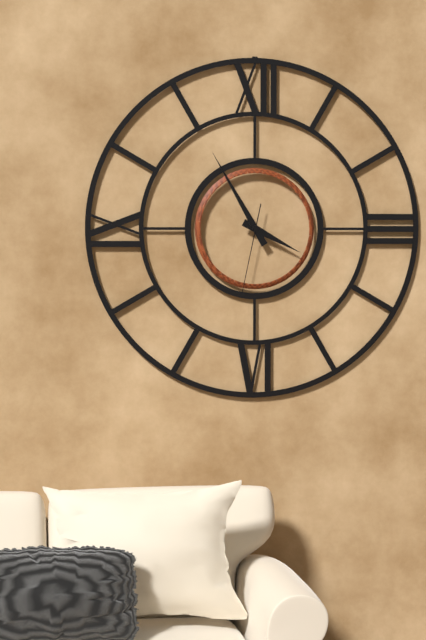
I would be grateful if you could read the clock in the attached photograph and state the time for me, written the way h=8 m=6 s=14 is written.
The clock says h=3 m=55 s=32
